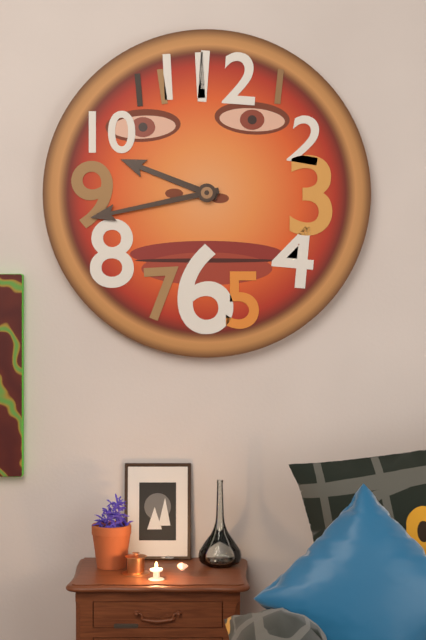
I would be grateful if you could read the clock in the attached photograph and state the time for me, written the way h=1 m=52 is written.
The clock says h=9 m=43
